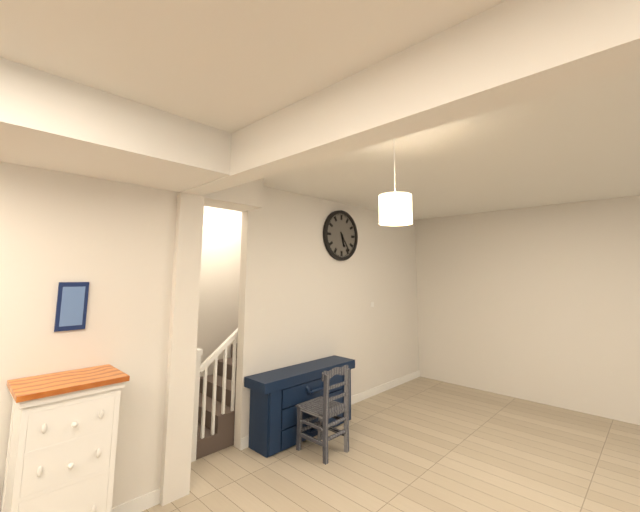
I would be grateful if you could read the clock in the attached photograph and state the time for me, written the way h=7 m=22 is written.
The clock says h=5 m=24
